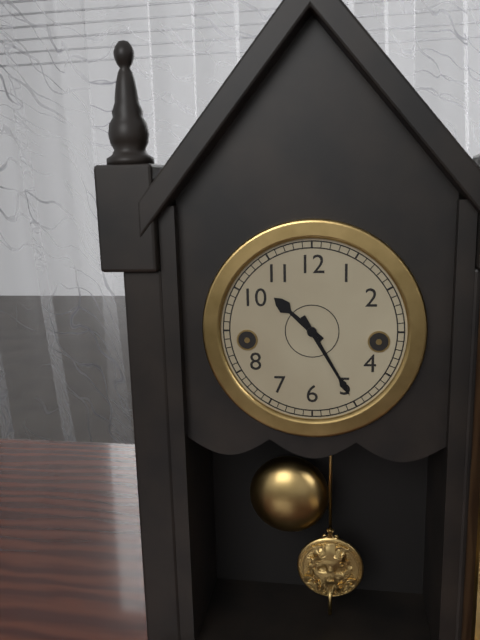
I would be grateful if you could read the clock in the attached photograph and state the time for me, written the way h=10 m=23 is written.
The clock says h=10 m=25
